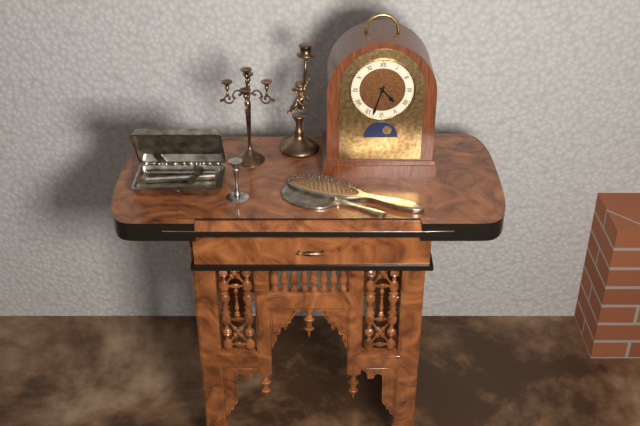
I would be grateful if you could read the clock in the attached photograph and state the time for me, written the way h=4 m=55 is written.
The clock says h=4 m=33
